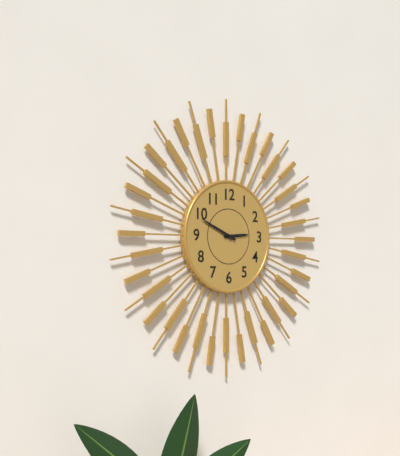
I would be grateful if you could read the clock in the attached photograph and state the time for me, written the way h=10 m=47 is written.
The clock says h=2 m=49
